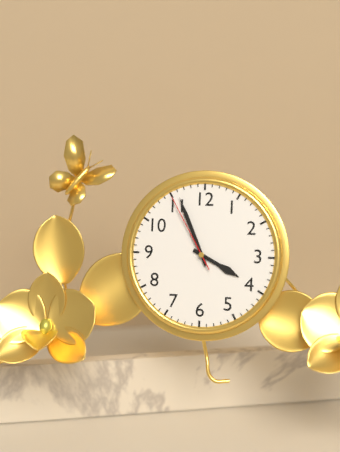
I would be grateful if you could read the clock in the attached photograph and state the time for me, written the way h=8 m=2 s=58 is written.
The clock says h=3 m=56 s=55
